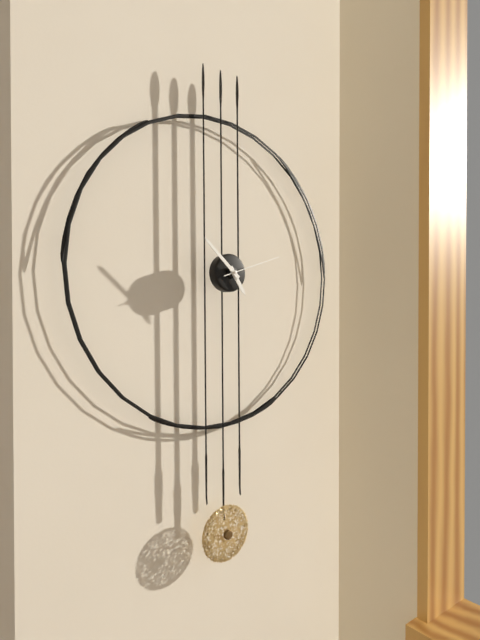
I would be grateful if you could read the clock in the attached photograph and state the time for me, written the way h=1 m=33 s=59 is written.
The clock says h=4 m=52 s=12
